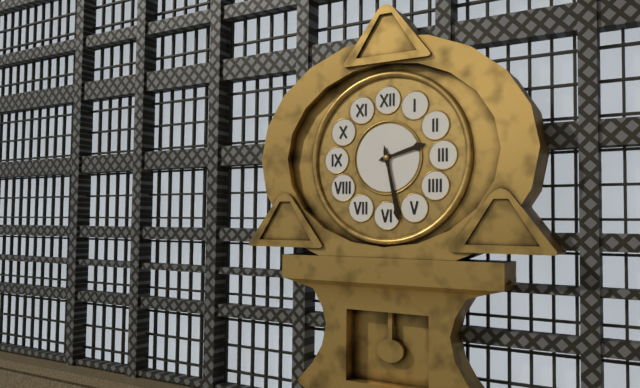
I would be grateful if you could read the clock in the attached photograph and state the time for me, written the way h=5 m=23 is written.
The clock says h=2 m=28
